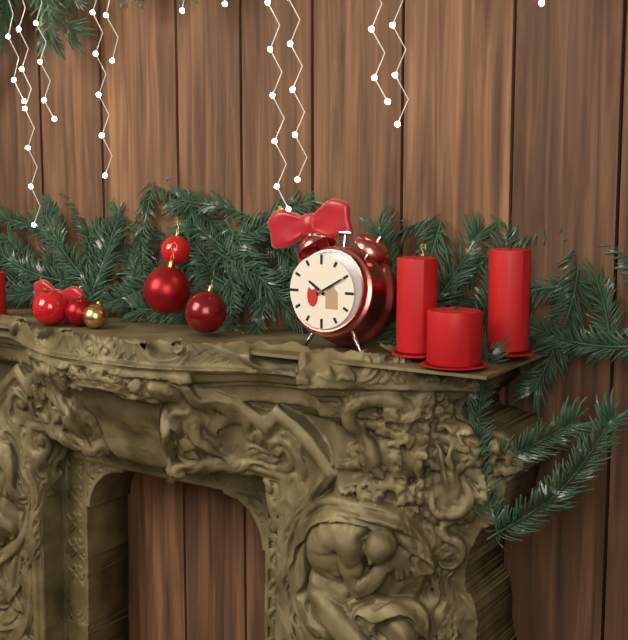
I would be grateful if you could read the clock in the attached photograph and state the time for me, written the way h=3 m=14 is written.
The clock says h=10 m=10
